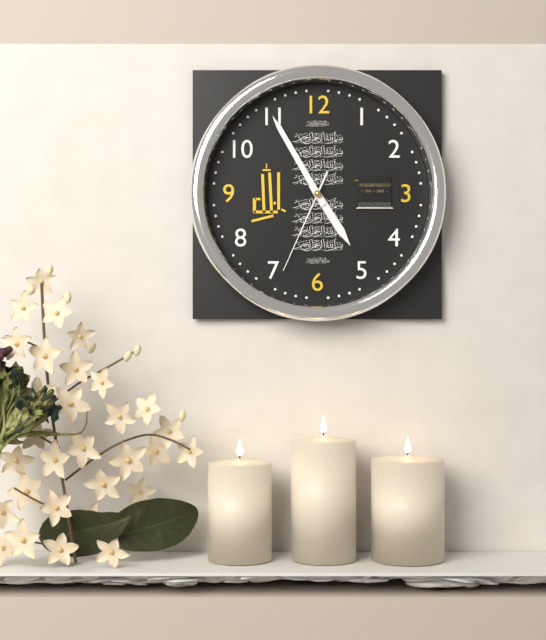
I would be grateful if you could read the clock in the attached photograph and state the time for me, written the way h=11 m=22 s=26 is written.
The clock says h=4 m=55 s=34
